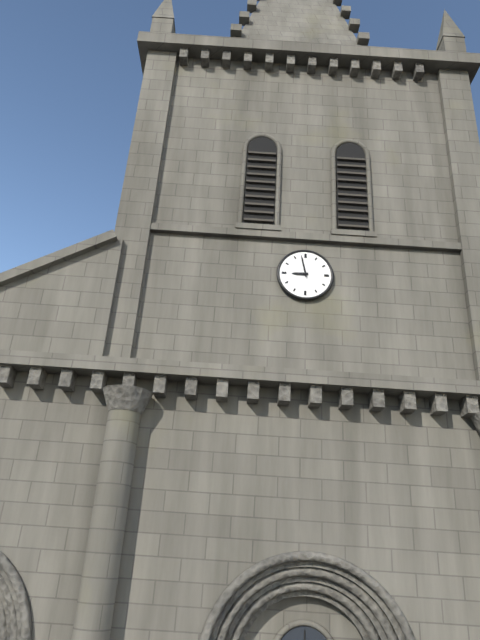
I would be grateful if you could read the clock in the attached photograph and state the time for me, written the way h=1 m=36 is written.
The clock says h=8 m=58
